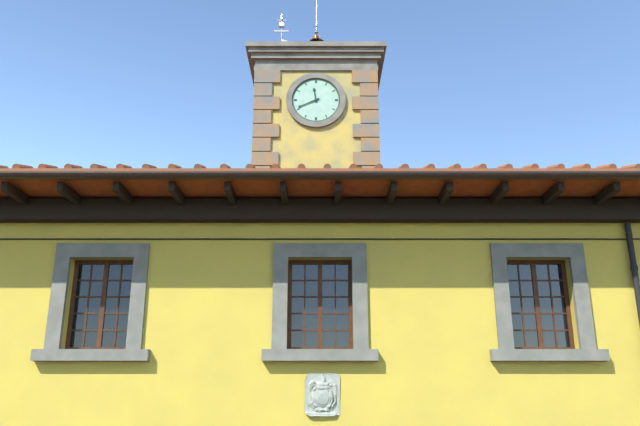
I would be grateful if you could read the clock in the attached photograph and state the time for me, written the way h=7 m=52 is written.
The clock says h=11 m=41
